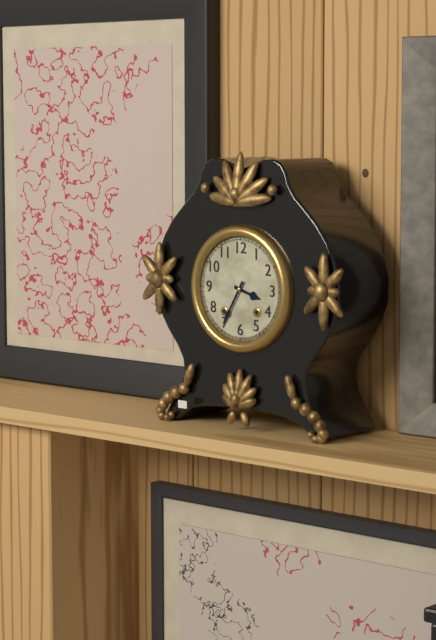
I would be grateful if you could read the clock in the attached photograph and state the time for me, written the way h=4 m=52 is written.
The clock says h=3 m=35
